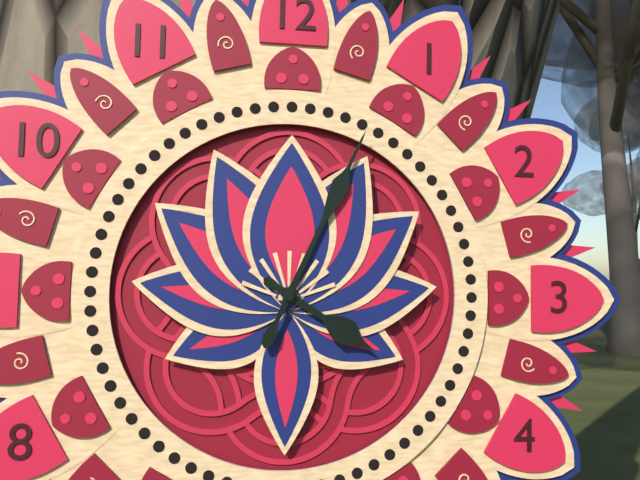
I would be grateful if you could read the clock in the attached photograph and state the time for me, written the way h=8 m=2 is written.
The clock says h=4 m=4
